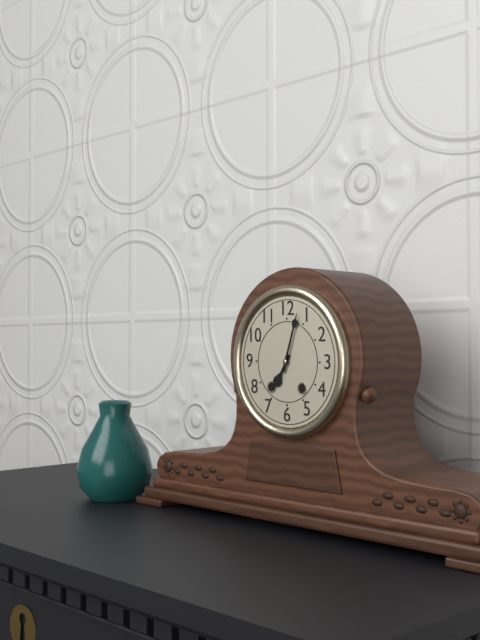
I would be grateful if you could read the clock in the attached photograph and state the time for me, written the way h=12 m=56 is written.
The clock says h=7 m=3
